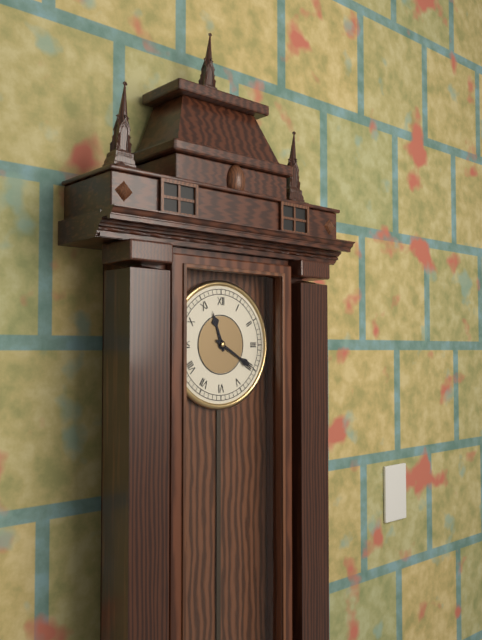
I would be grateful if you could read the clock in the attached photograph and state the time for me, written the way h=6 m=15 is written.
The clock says h=11 m=20
